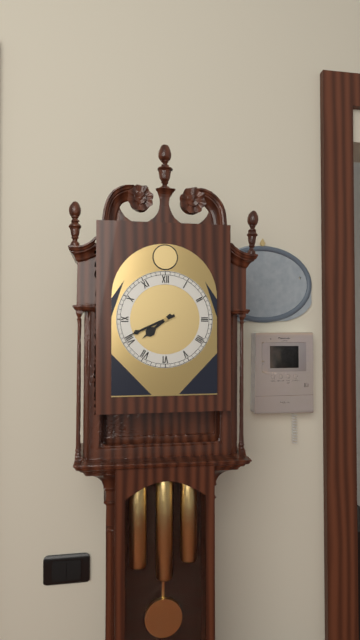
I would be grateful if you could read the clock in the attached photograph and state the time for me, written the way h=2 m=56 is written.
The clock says h=7 m=41
